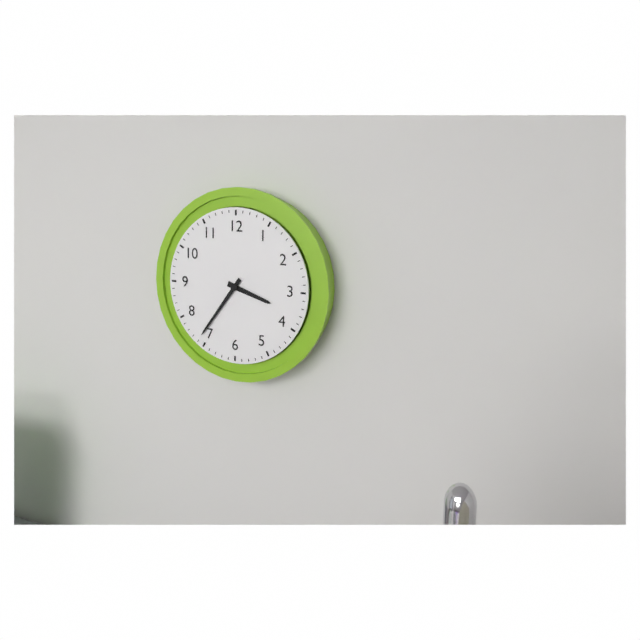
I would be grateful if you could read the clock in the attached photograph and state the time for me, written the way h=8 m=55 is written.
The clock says h=3 m=36
